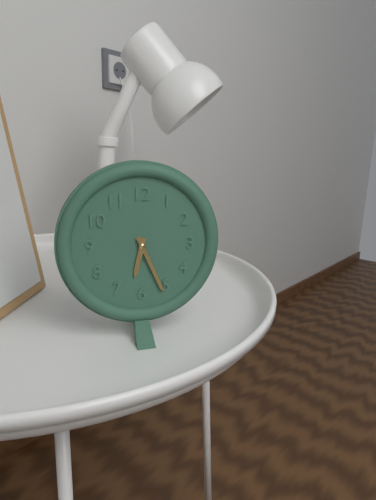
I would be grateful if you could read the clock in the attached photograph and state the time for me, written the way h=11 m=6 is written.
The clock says h=6 m=26
